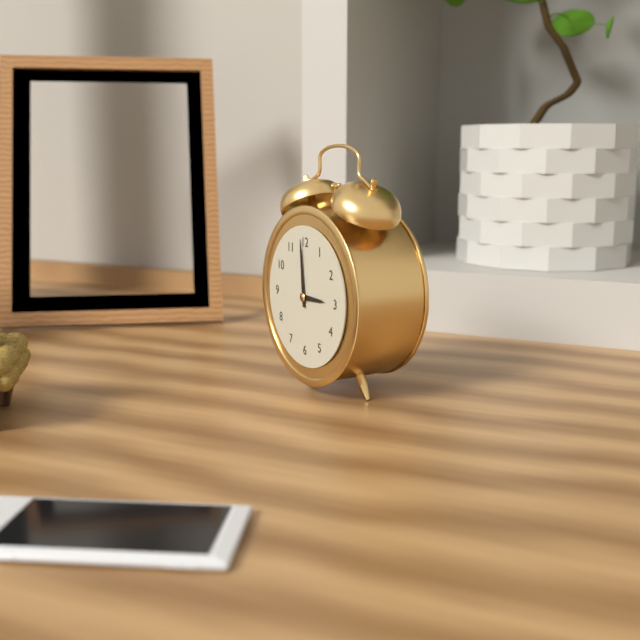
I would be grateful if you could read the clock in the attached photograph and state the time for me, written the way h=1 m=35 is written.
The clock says h=2 m=59
